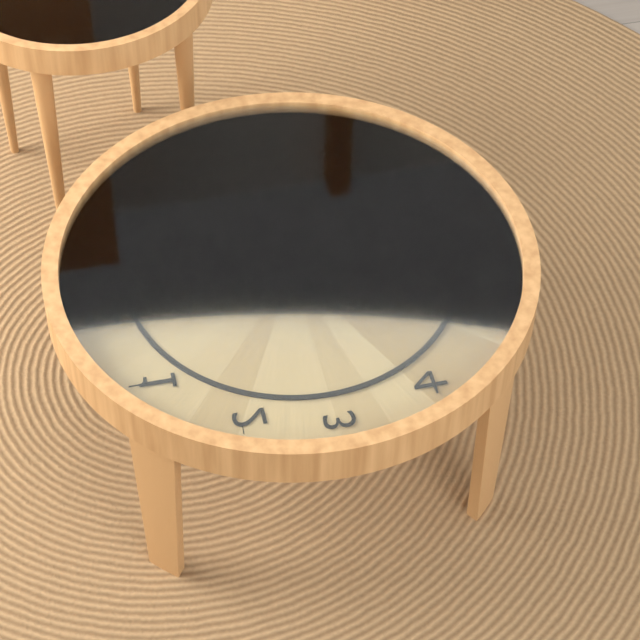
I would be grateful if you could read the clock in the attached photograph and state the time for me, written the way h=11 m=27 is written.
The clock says h=5 m=12
